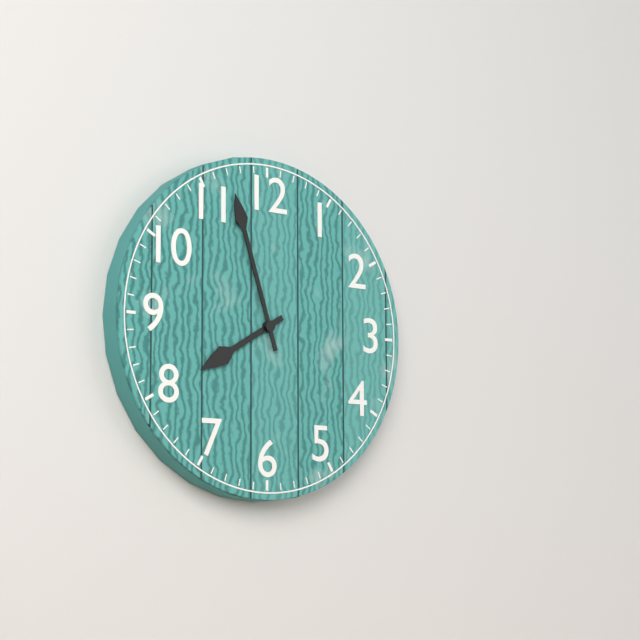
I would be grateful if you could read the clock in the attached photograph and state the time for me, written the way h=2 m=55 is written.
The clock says h=7 m=57
